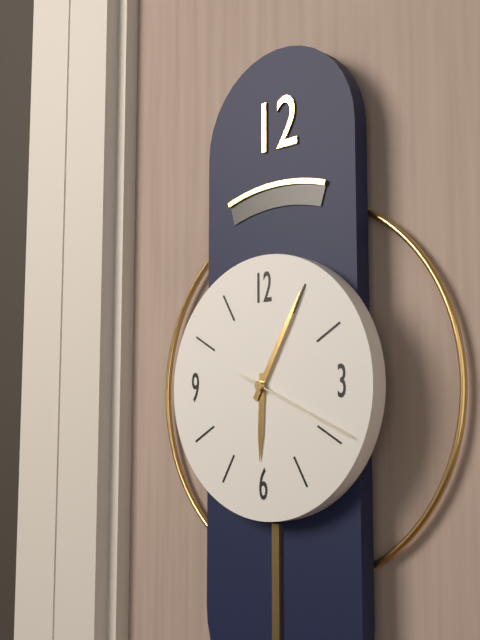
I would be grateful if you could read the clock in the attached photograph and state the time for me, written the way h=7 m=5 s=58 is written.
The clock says h=6 m=5 s=19
